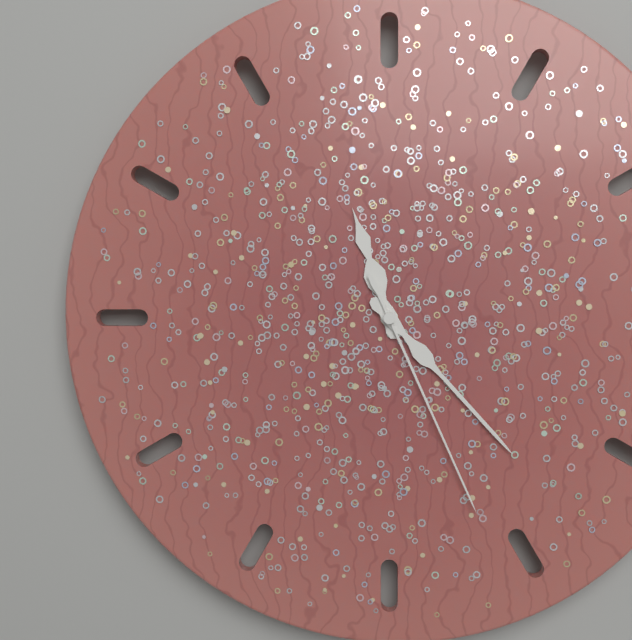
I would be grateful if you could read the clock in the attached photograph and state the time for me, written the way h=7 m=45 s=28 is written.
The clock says h=11 m=23 s=26
